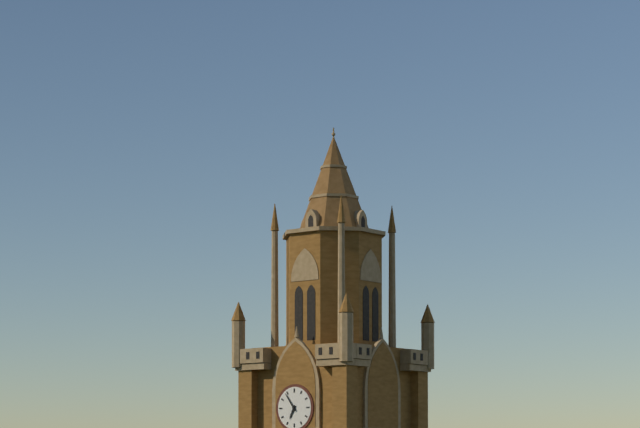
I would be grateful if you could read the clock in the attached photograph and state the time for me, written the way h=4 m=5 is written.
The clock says h=6 m=54
